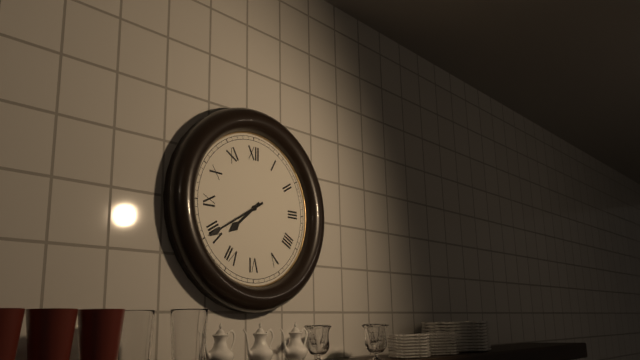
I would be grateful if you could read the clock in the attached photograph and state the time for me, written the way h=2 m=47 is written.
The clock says h=7 m=40
